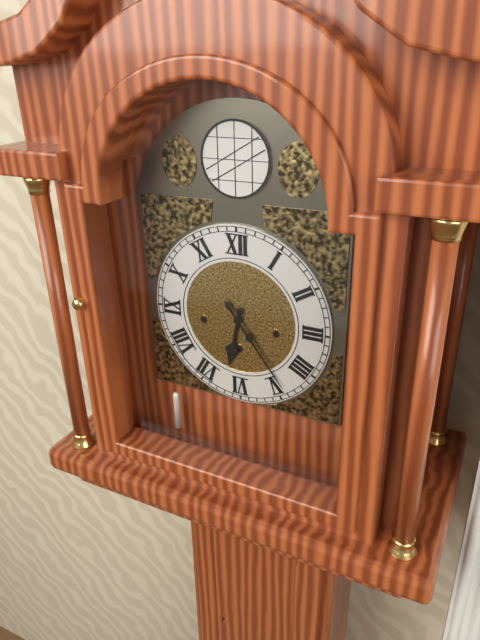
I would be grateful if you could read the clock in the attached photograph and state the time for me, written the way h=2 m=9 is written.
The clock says h=6 m=24
